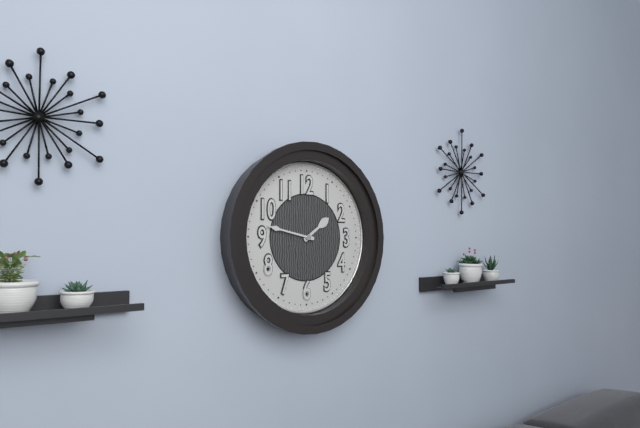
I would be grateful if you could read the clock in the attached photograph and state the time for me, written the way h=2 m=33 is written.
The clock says h=1 m=47
